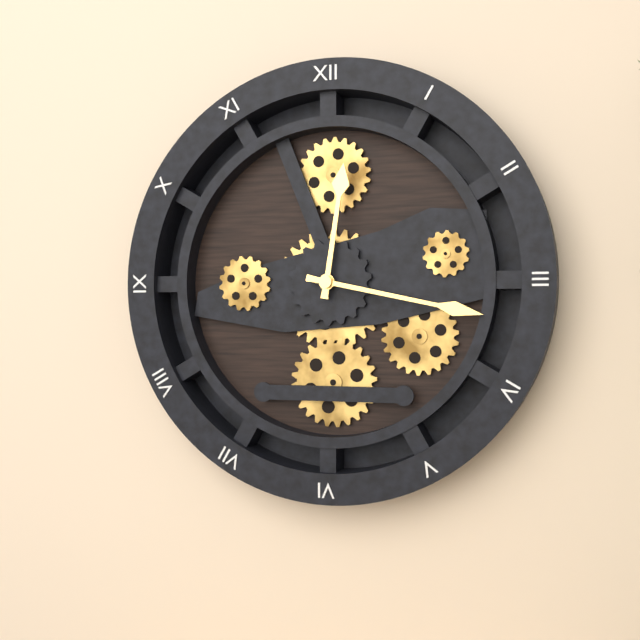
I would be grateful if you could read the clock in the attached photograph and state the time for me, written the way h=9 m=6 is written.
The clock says h=12 m=17
